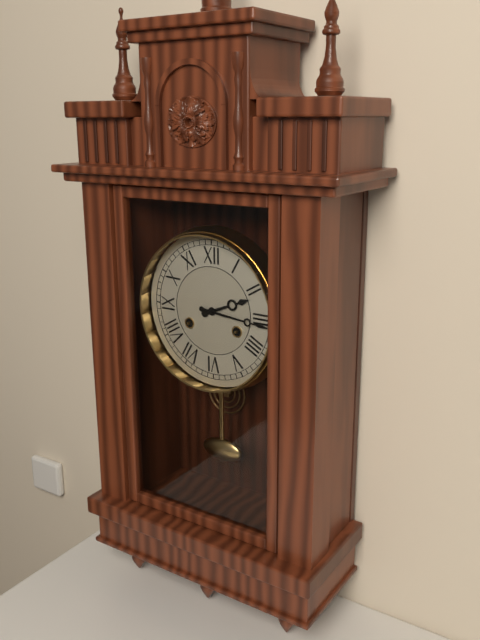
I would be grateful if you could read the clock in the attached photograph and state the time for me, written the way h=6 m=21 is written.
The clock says h=2 m=16
